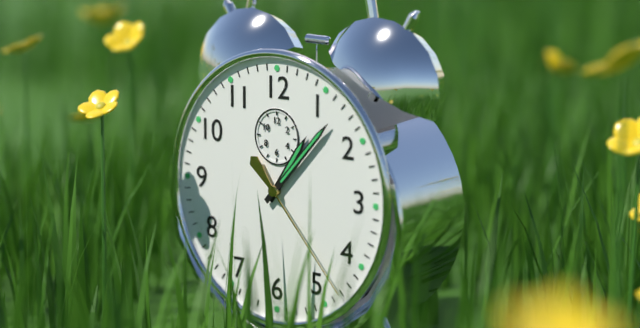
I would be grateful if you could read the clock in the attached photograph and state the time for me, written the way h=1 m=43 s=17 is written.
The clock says h=1 m=7 s=23
